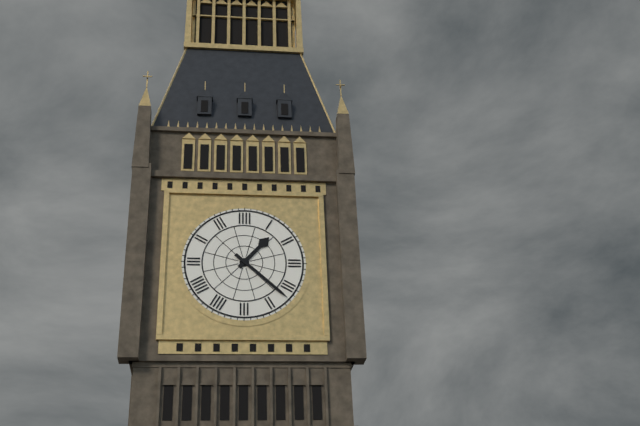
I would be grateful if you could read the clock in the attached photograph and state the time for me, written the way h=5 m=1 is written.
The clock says h=1 m=22
